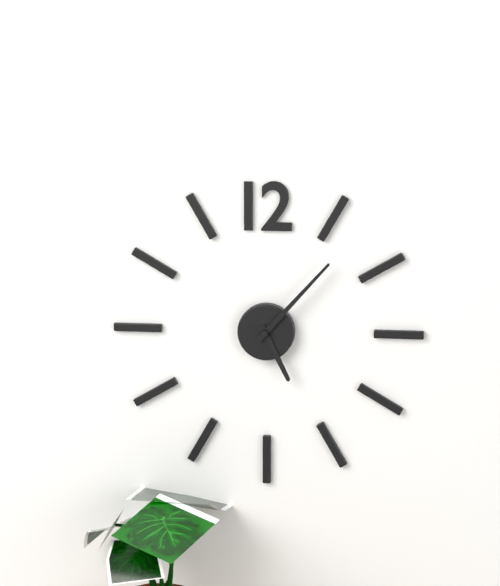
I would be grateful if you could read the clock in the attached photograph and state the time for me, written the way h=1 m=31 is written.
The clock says h=5 m=7
